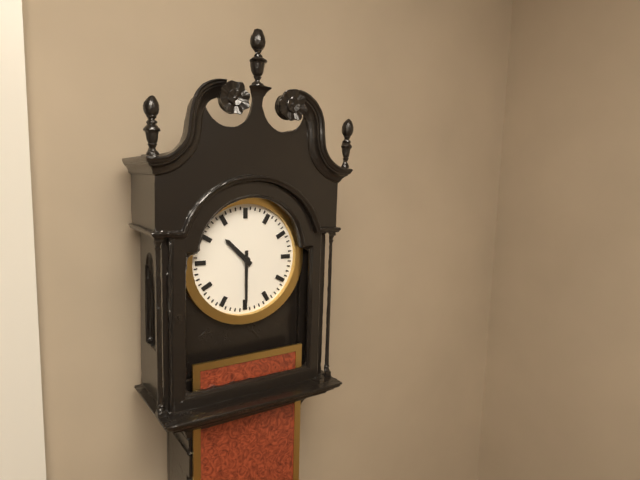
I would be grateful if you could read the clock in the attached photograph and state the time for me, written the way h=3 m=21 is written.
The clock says h=10 m=30
